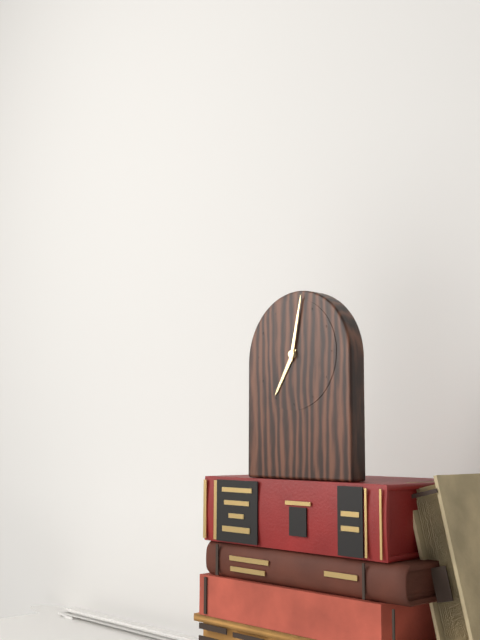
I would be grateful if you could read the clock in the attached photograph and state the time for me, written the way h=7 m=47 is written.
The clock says h=7 m=2
